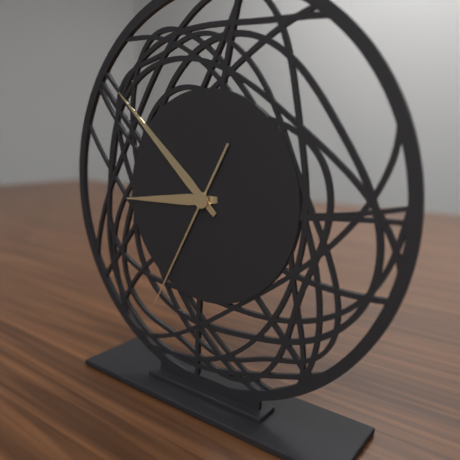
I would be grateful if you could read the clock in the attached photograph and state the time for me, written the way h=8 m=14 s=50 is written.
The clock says h=8 m=52 s=35
